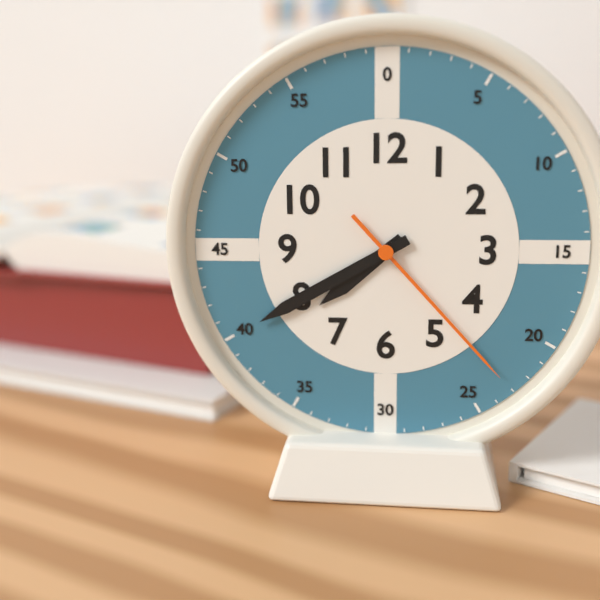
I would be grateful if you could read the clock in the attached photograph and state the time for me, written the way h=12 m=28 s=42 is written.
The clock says h=7 m=40 s=23
